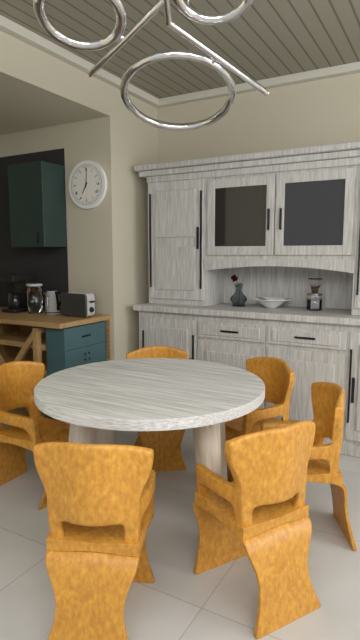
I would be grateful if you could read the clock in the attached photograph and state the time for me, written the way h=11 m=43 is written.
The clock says h=7 m=1
